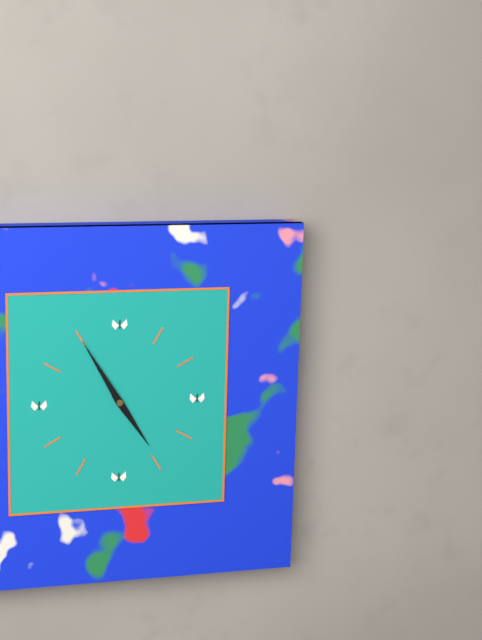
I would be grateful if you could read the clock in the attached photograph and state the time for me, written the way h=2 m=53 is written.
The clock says h=4 m=55
